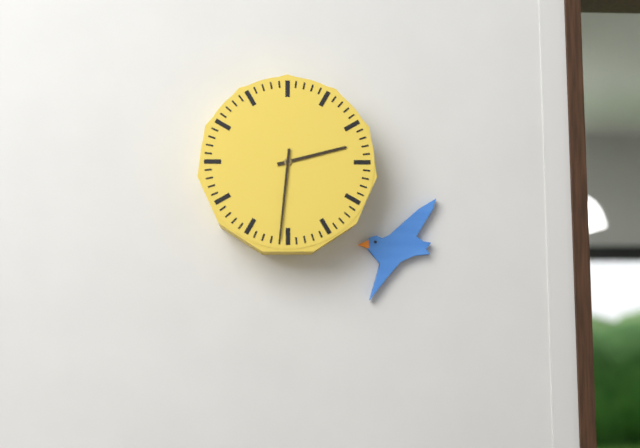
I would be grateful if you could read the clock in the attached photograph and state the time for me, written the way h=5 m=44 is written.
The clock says h=2 m=31
